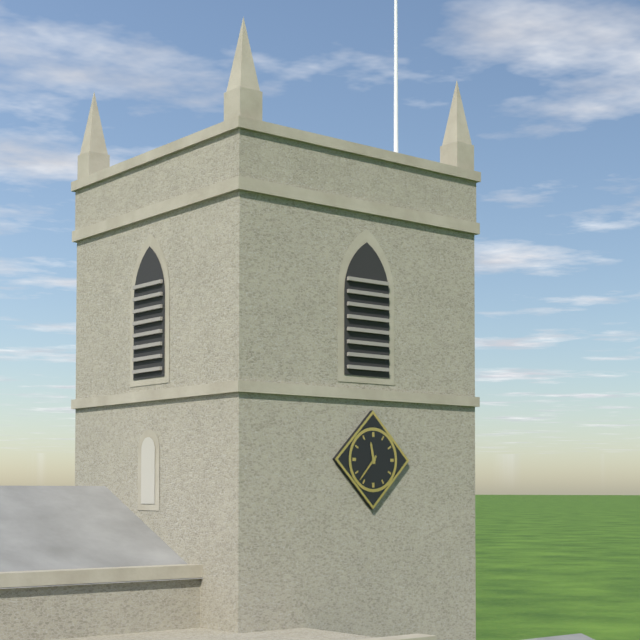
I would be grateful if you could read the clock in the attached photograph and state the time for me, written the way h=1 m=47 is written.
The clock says h=11 m=37
